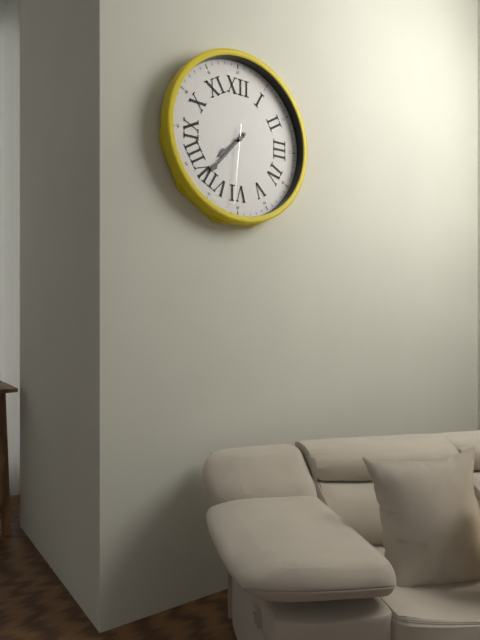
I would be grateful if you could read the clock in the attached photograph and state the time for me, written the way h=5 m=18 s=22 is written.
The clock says h=7 m=37 s=31
